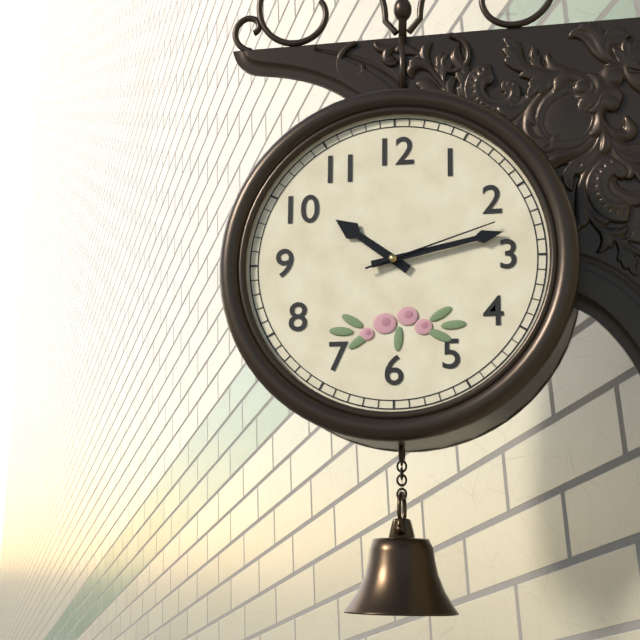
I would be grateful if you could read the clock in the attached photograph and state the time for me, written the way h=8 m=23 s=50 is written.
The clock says h=10 m=13 s=12
